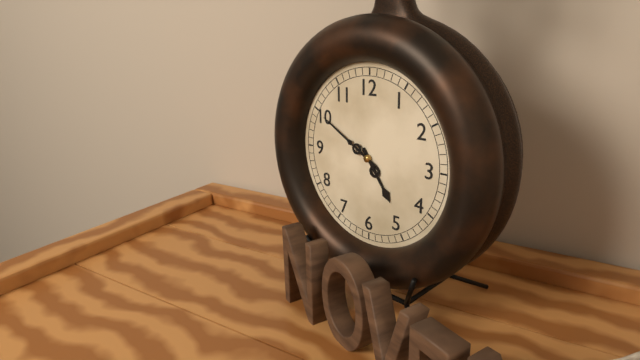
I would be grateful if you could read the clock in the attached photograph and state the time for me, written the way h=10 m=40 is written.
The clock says h=4 m=50
